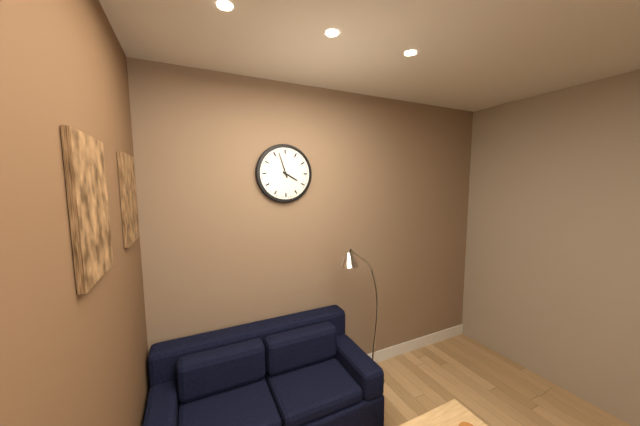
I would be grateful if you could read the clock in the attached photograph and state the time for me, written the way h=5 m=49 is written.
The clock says h=3 m=57
